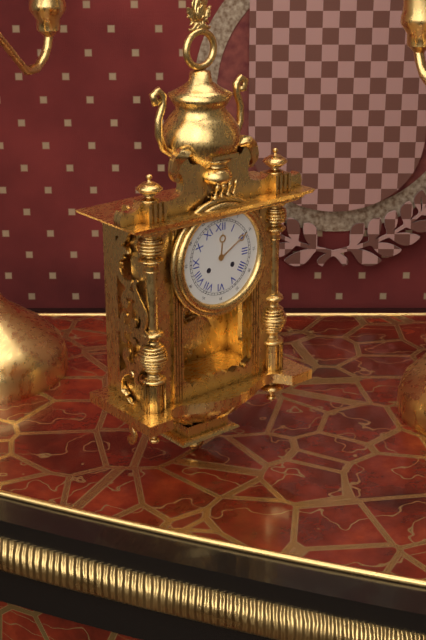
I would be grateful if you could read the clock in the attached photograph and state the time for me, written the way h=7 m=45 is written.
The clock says h=12 m=10
